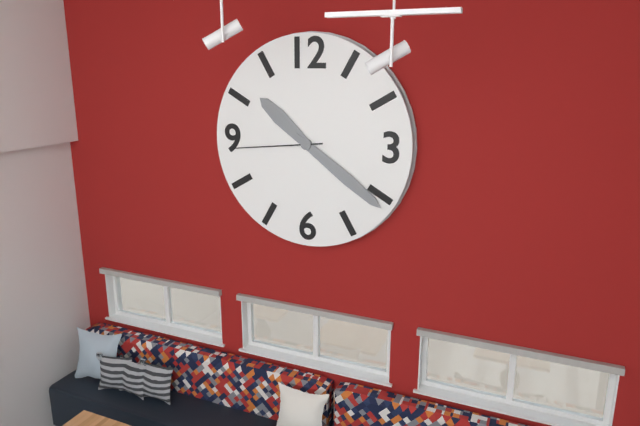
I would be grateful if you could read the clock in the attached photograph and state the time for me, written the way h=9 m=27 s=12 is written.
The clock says h=10 m=21 s=44
